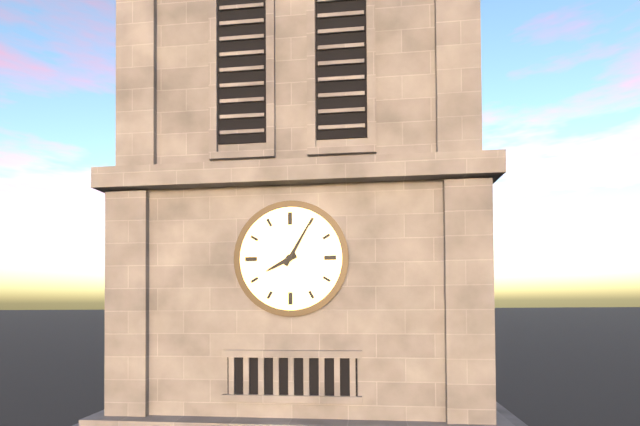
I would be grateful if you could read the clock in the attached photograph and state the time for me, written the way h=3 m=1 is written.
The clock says h=8 m=5
